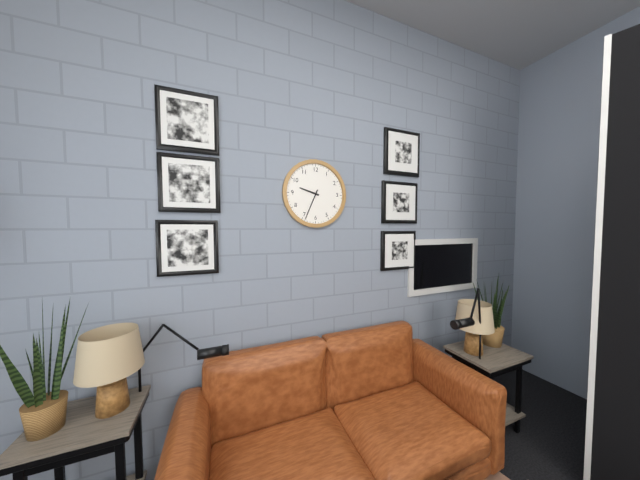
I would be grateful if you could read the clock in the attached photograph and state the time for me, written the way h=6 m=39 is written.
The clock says h=9 m=34
